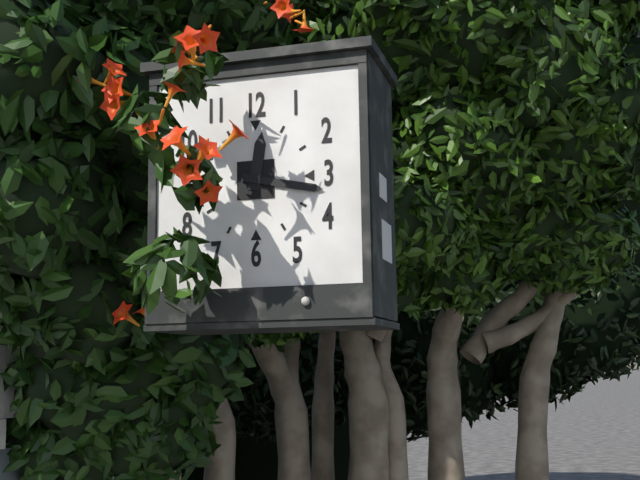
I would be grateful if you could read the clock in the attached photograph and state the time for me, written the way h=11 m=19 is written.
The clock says h=12 m=17
